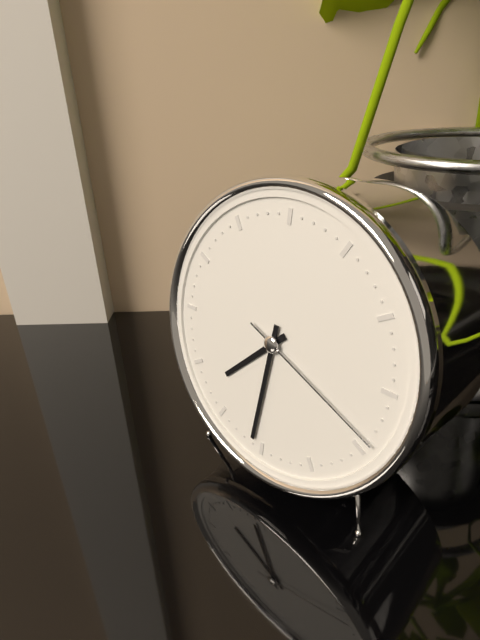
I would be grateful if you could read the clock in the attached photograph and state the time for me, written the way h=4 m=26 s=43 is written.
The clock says h=7 m=31 s=19
